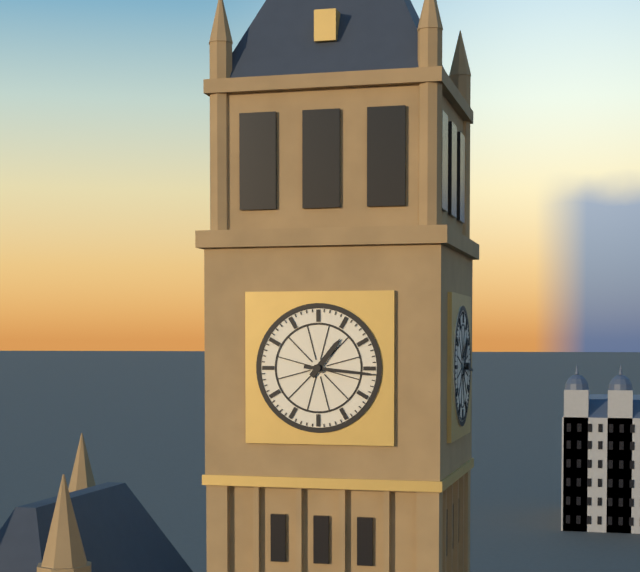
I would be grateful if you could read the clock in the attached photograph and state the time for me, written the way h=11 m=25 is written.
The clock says h=1 m=16
